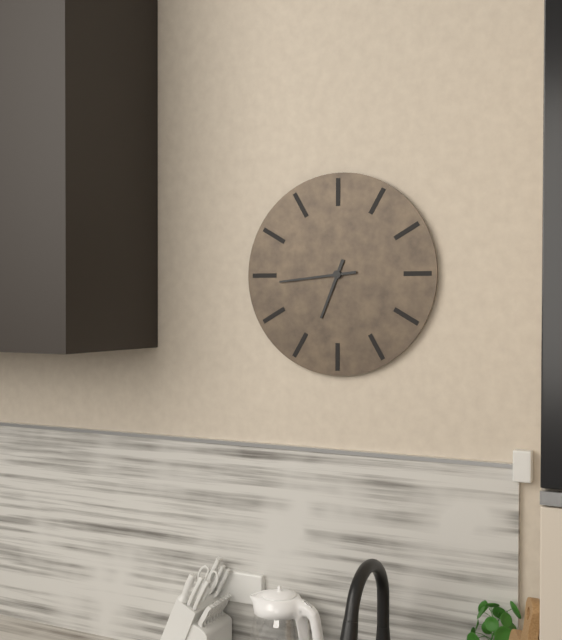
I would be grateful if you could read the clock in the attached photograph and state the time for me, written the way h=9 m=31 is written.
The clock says h=6 m=44
